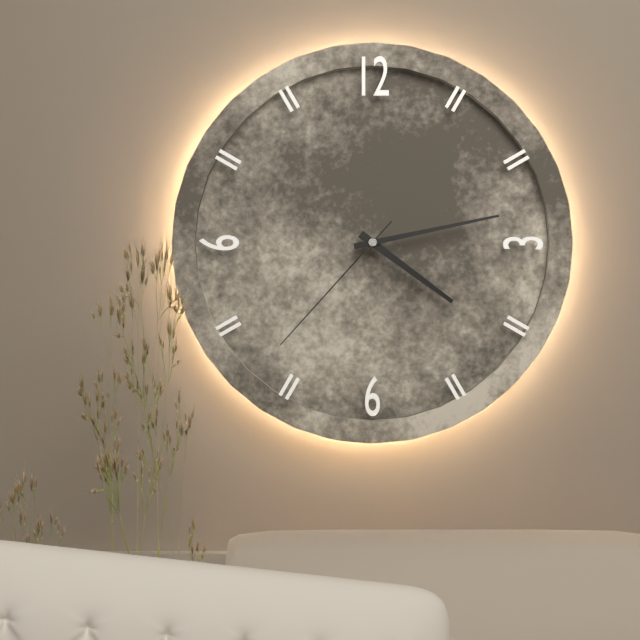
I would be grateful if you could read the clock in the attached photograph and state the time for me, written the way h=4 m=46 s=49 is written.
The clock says h=4 m=13 s=37
